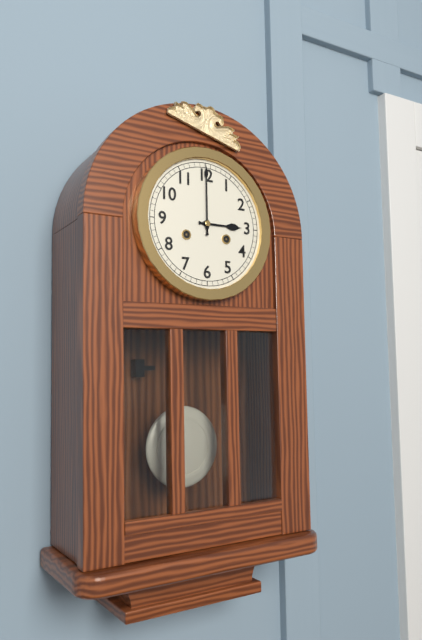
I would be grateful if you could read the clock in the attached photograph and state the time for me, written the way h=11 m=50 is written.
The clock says h=3 m=0
